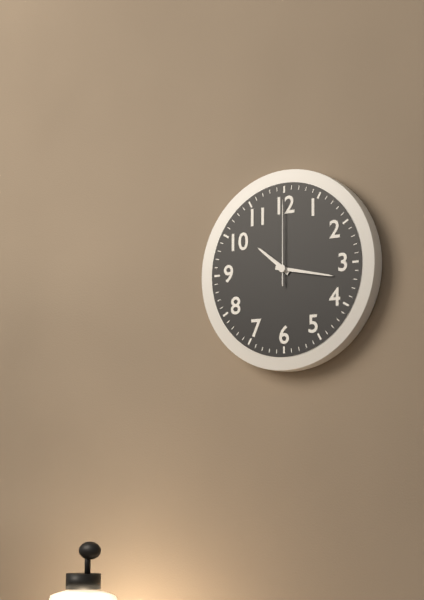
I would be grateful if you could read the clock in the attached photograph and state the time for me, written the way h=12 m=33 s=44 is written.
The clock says h=10 m=17 s=0
